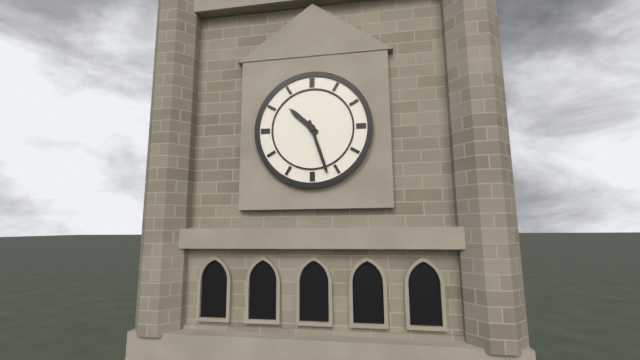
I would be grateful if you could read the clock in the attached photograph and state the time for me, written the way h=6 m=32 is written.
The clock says h=10 m=27
